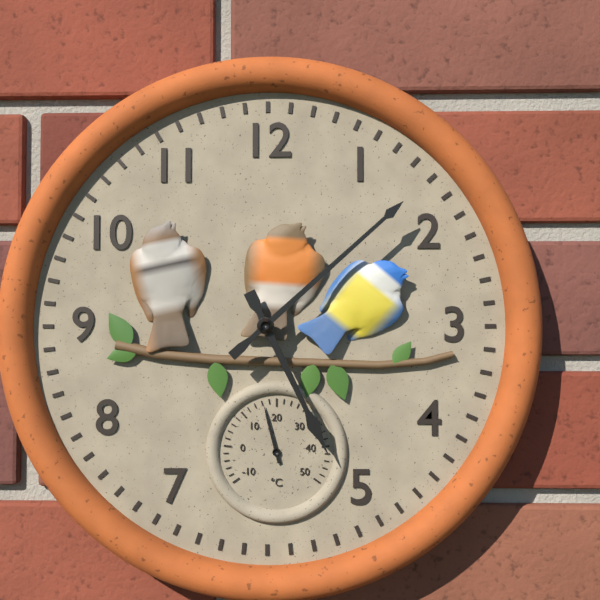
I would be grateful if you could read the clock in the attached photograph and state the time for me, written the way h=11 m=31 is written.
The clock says h=5 m=8
